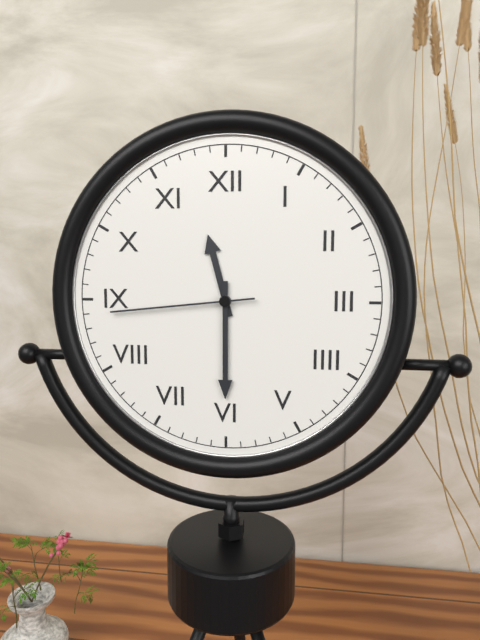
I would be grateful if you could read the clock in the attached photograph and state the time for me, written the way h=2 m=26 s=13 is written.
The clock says h=11 m=30 s=44
